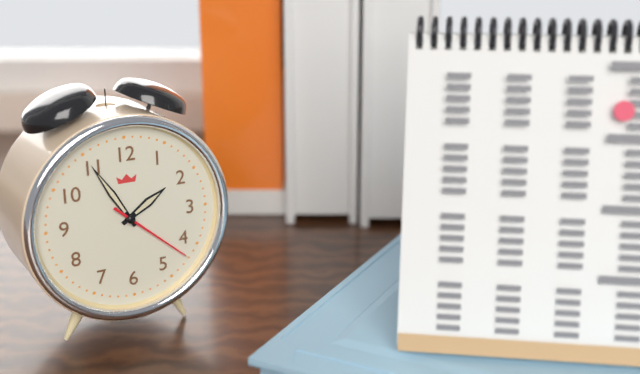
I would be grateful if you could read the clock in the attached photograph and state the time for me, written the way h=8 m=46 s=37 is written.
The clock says h=1 m=55 s=22
